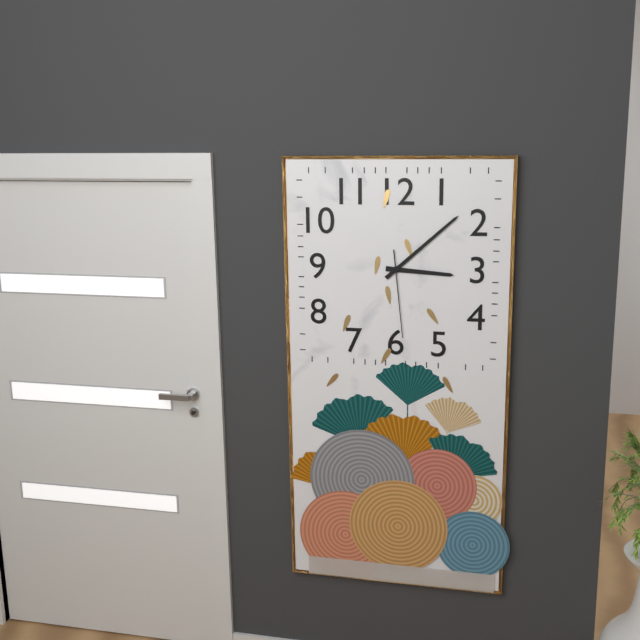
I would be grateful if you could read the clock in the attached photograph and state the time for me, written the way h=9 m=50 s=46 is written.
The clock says h=3 m=8 s=29
